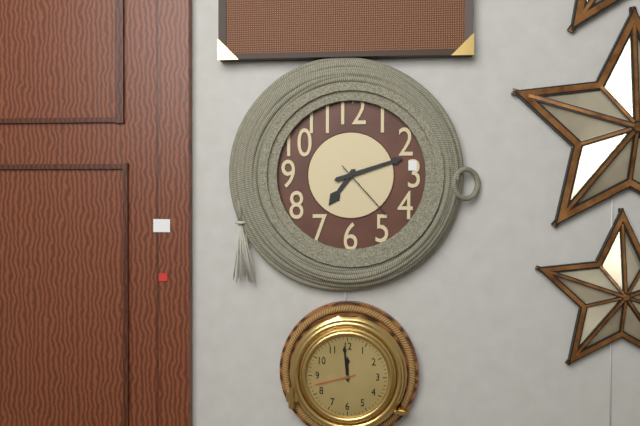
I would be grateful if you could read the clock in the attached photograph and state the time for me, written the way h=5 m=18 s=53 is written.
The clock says h=7 m=12 s=23
